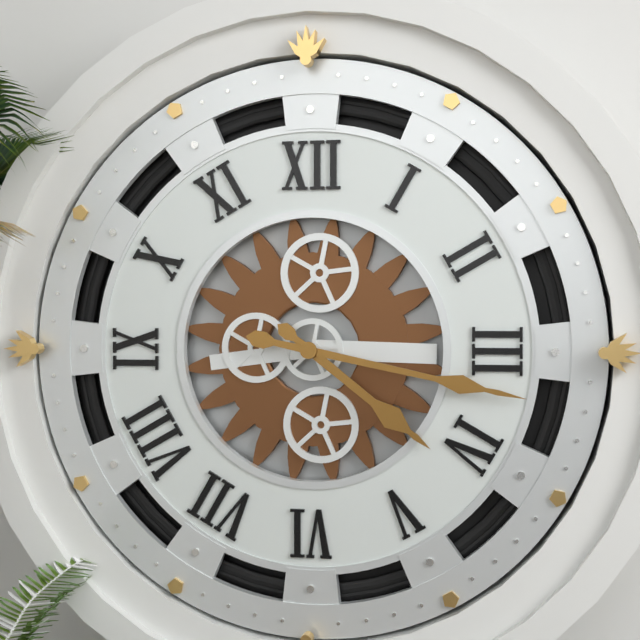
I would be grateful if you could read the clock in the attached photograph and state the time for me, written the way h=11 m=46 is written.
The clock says h=4 m=17
